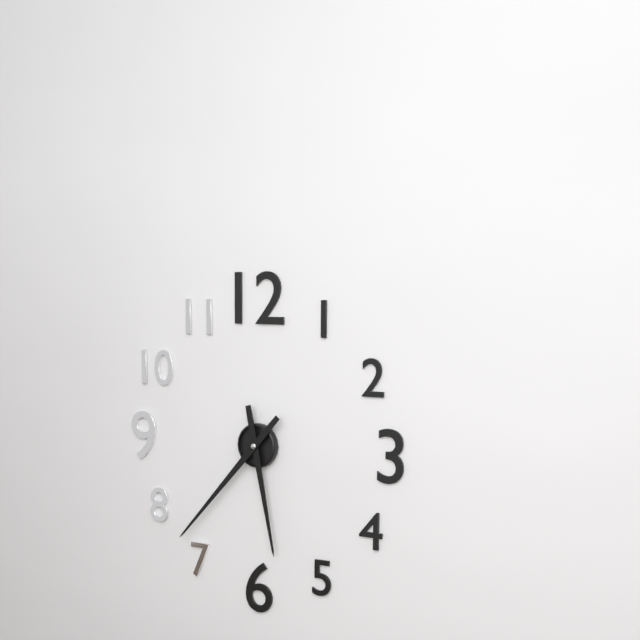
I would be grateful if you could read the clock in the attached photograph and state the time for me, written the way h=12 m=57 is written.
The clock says h=5 m=37
